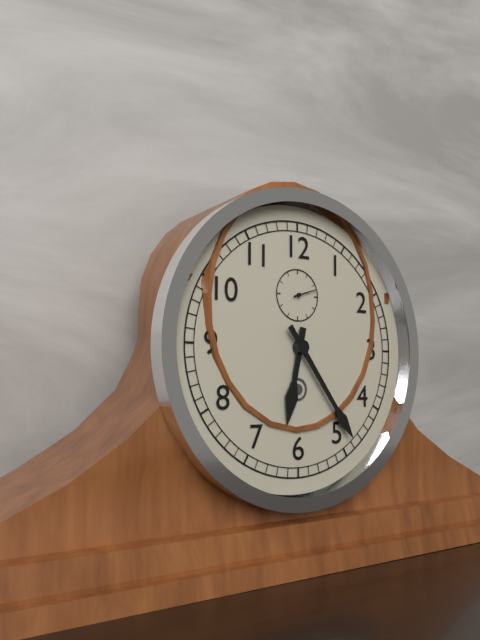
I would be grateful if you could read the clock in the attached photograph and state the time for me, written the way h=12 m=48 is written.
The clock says h=6 m=24
